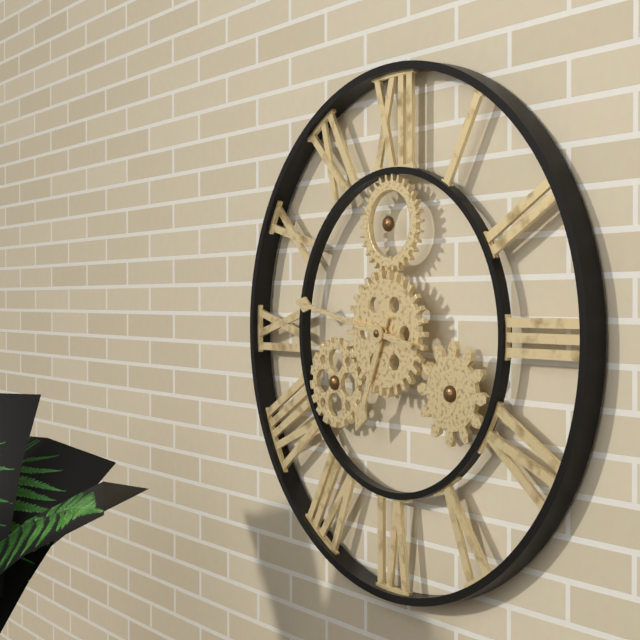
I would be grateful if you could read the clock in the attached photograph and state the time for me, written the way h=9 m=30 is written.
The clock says h=6 m=47
